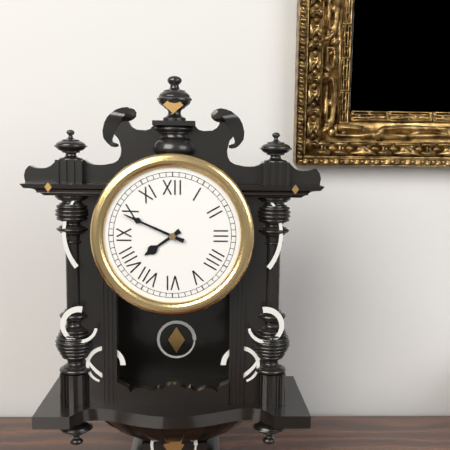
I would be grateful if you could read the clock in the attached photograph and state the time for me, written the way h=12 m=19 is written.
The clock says h=7 m=49
